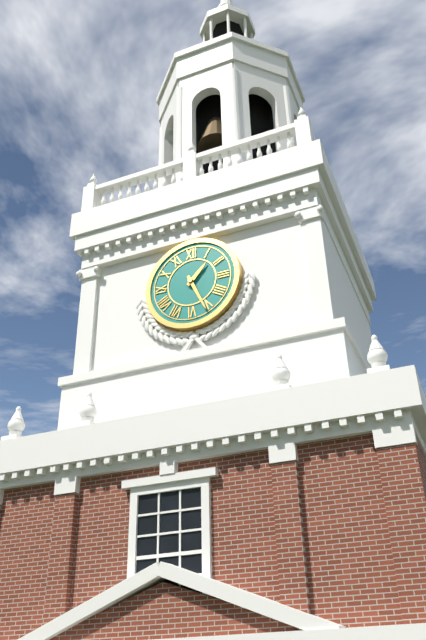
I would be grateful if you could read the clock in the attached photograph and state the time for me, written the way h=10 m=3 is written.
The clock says h=1 m=26
